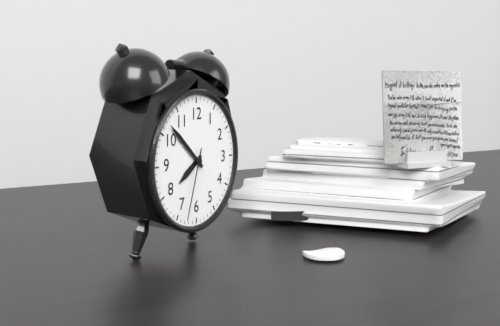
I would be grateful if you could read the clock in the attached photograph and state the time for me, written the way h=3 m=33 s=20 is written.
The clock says h=7 m=52 s=33
